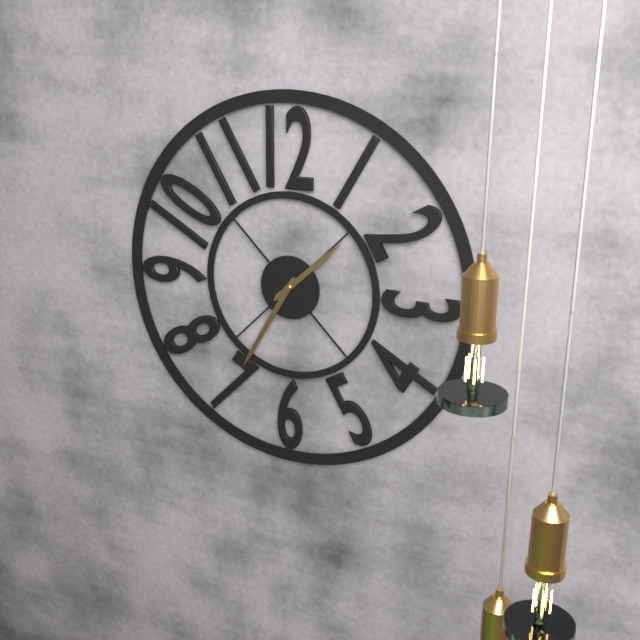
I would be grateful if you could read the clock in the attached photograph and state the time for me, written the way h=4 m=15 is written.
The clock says h=1 m=35
